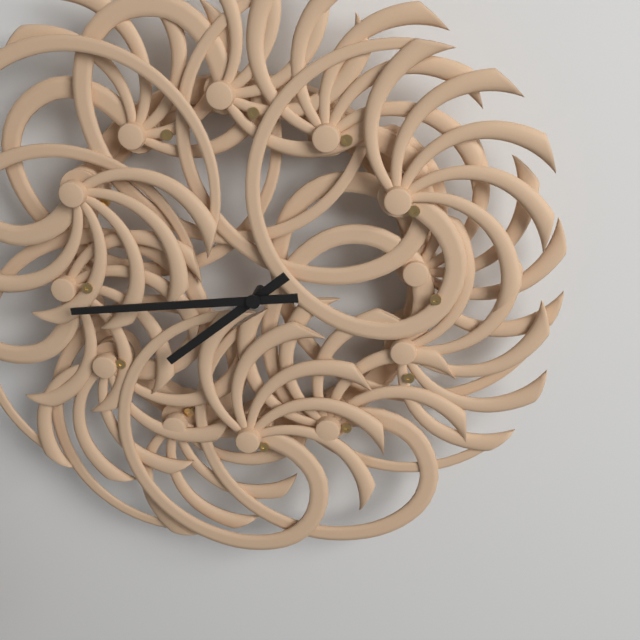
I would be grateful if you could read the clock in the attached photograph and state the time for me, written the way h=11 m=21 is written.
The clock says h=7 m=44
